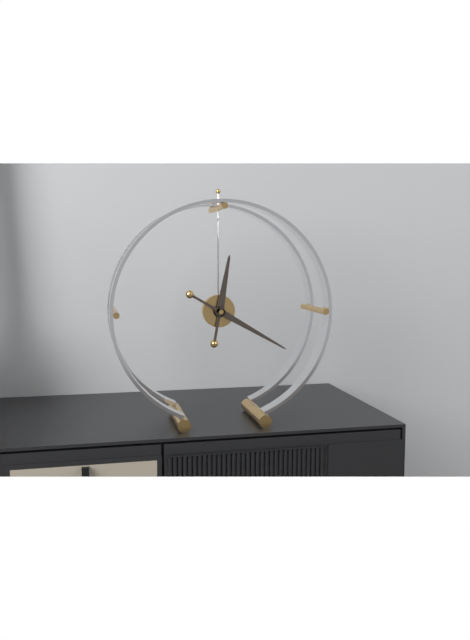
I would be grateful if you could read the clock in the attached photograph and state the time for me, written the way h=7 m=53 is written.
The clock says h=12 m=20
